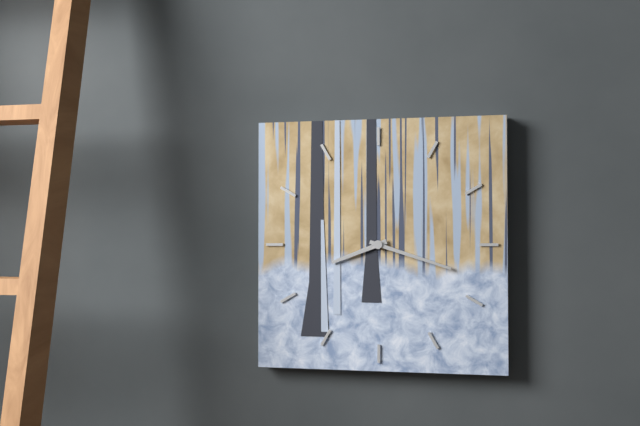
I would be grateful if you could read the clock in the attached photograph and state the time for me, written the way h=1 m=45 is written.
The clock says h=8 m=18
